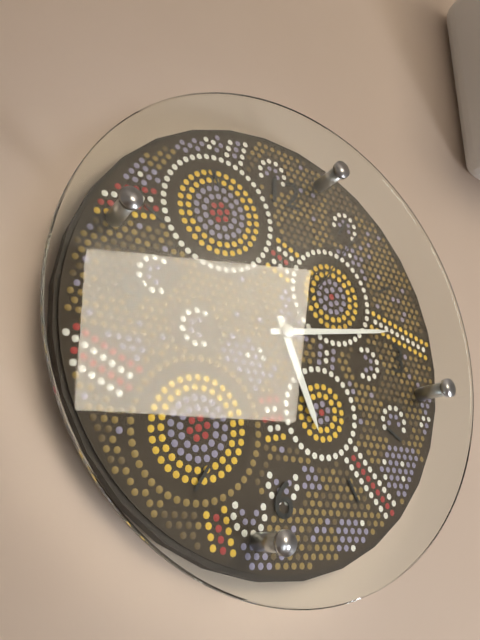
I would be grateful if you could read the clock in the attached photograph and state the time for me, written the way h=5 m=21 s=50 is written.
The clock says h=5 m=13 s=6
